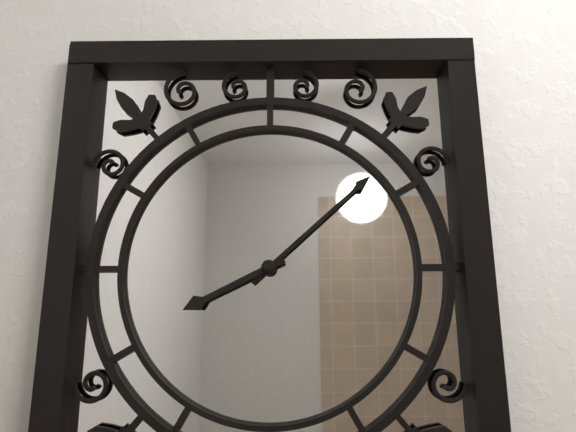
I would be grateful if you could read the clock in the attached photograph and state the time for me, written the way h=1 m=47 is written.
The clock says h=8 m=8
